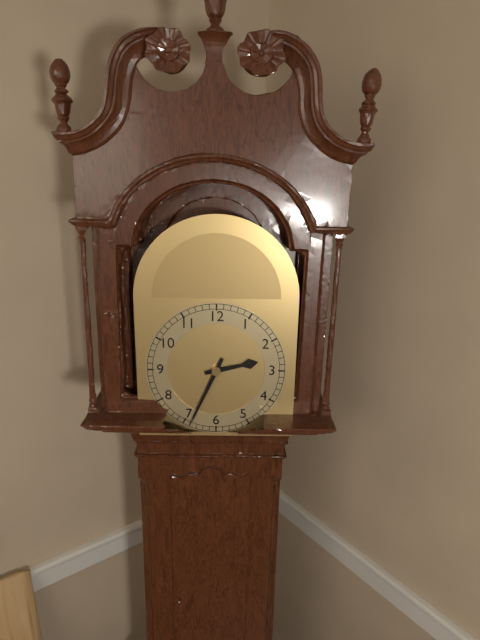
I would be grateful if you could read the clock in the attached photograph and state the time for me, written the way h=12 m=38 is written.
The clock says h=2 m=34
